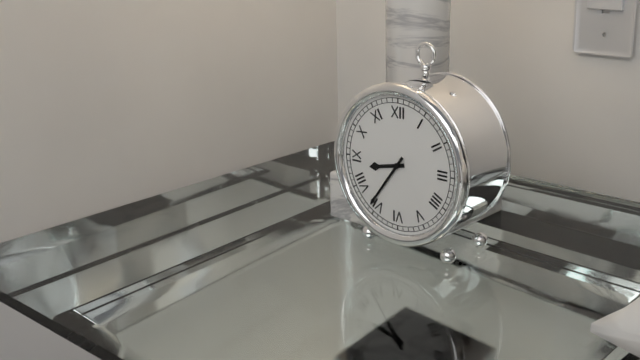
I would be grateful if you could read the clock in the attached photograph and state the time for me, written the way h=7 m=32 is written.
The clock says h=8 m=36
